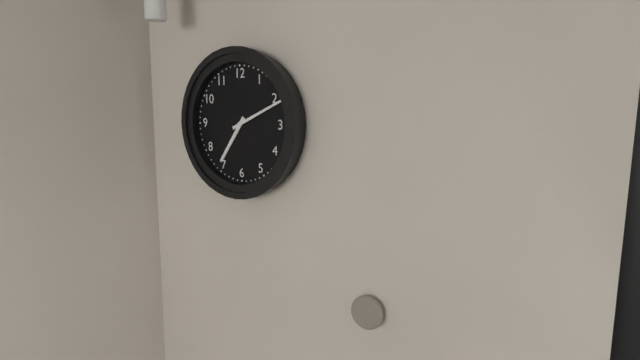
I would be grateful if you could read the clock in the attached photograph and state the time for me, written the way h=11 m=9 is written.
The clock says h=7 m=11
